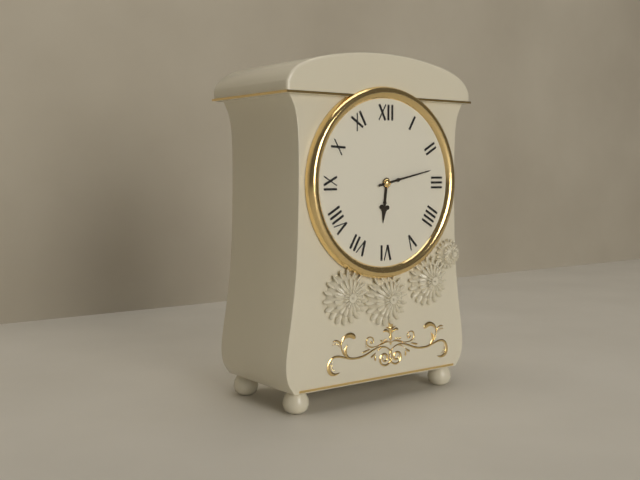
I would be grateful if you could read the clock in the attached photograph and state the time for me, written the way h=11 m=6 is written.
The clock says h=6 m=13
